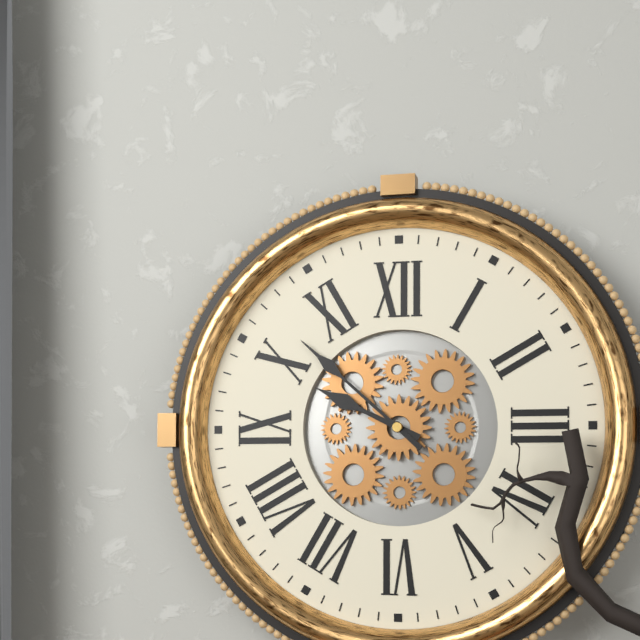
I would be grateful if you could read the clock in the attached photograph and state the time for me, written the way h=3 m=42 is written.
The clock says h=9 m=52
